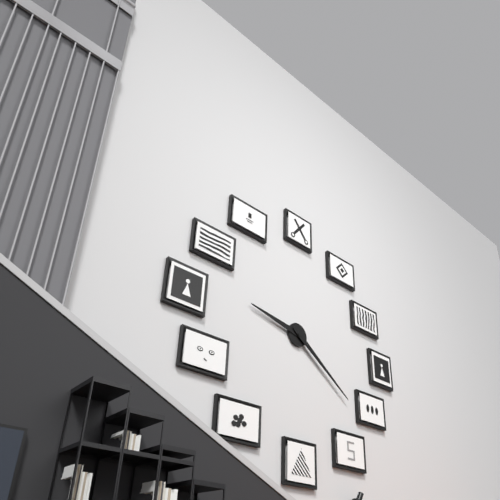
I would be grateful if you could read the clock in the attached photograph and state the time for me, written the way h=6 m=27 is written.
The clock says h=9 m=21
